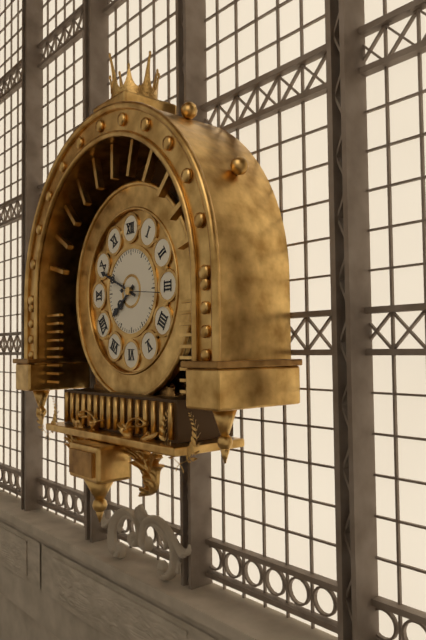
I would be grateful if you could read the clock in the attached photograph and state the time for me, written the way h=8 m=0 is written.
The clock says h=7 m=49
